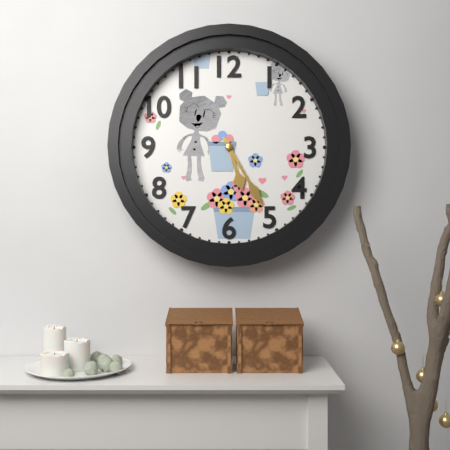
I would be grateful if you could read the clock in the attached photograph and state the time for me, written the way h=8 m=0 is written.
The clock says h=5 m=25
